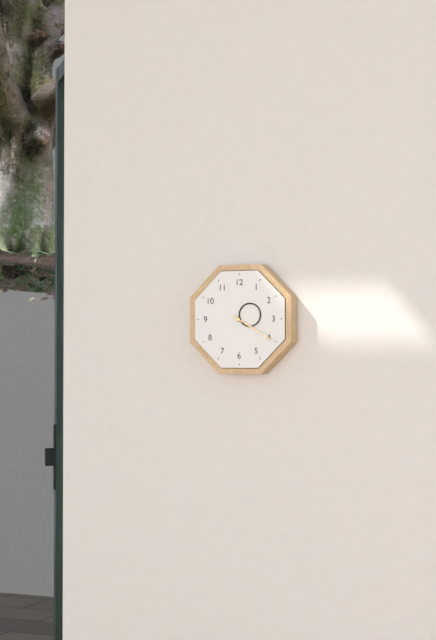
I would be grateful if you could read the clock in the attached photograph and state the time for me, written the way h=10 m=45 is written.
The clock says h=2 m=20
